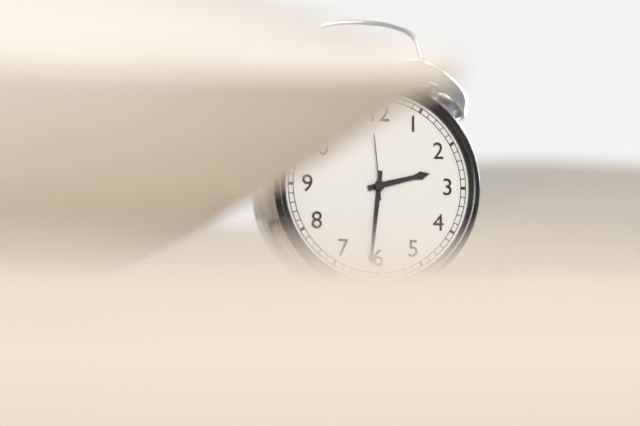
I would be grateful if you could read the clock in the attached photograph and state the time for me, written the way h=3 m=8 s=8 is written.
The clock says h=2 m=31 s=59
